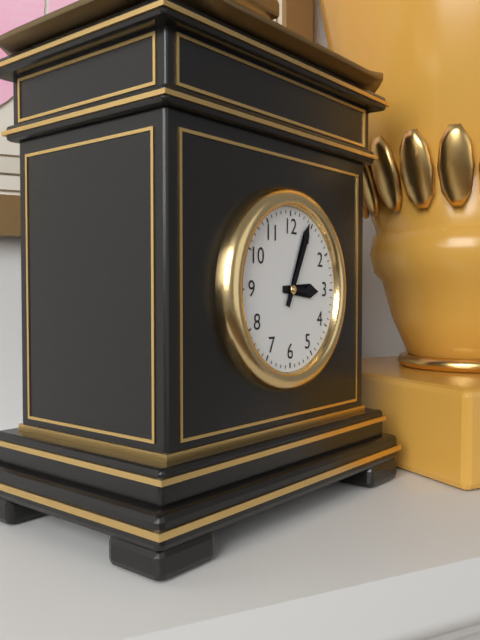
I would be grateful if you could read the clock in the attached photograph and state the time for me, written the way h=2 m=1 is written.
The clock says h=3 m=4
